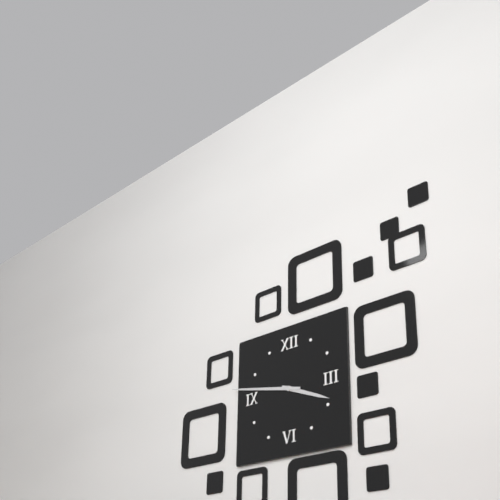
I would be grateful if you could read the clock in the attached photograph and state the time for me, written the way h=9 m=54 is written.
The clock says h=3 m=47
